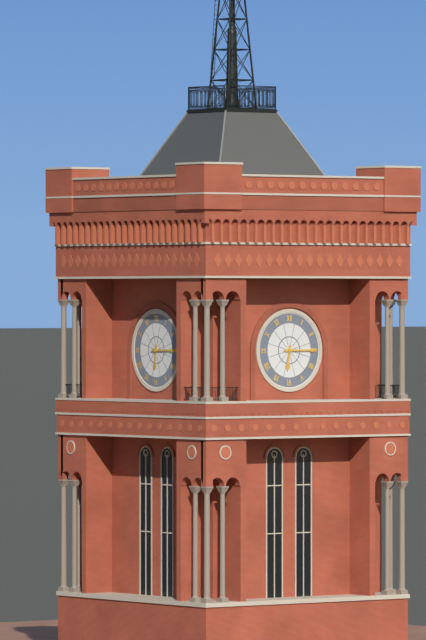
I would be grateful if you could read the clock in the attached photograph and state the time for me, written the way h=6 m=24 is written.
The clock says h=6 m=15
